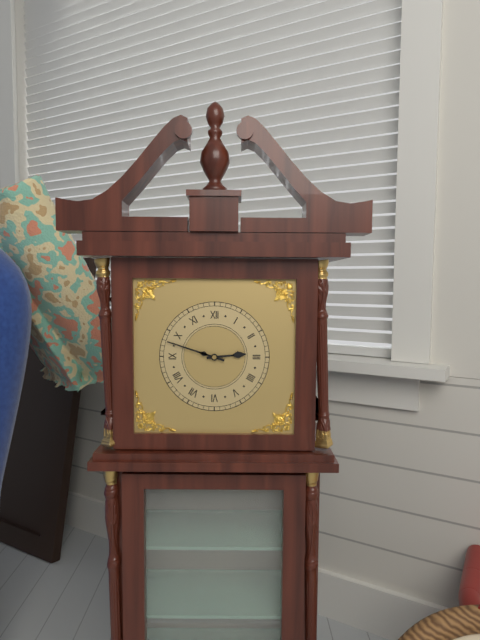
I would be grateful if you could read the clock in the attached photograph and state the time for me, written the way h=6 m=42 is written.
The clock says h=2 m=48
